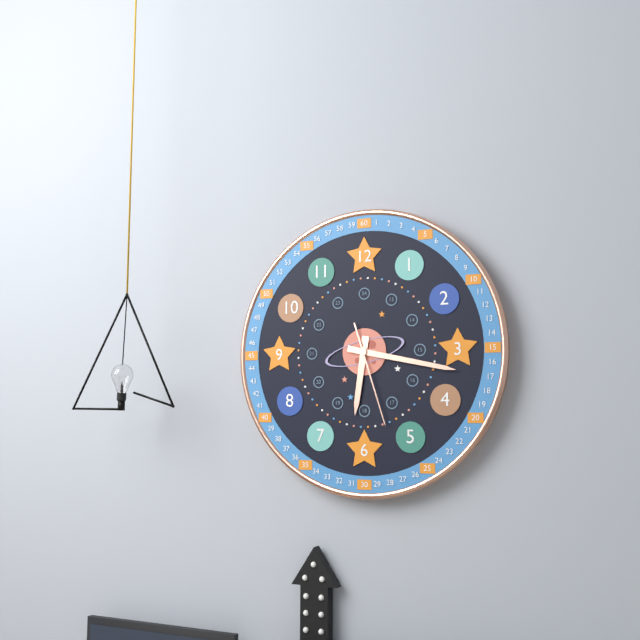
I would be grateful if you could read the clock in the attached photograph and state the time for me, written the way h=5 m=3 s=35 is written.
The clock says h=6 m=17 s=27
